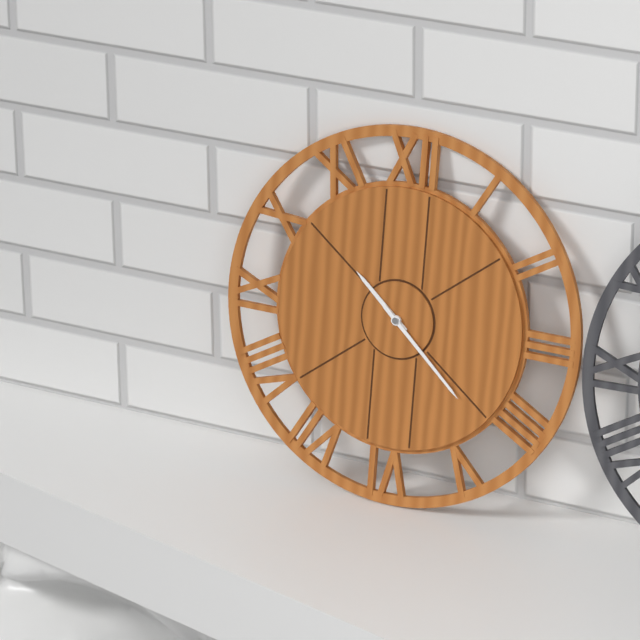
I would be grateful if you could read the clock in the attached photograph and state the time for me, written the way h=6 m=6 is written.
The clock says h=10 m=22
